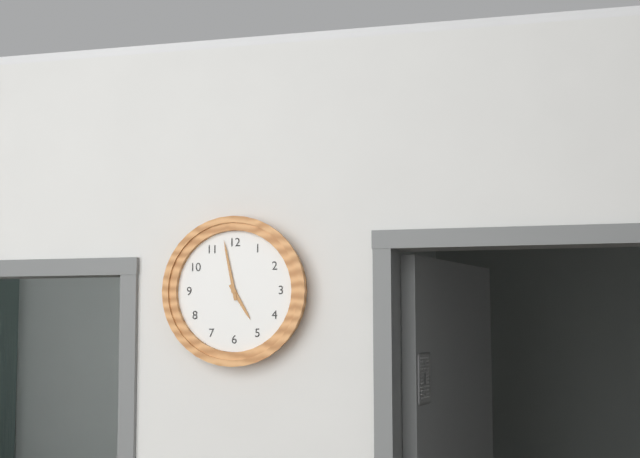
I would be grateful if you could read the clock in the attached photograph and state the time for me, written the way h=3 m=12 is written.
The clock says h=4 m=58
